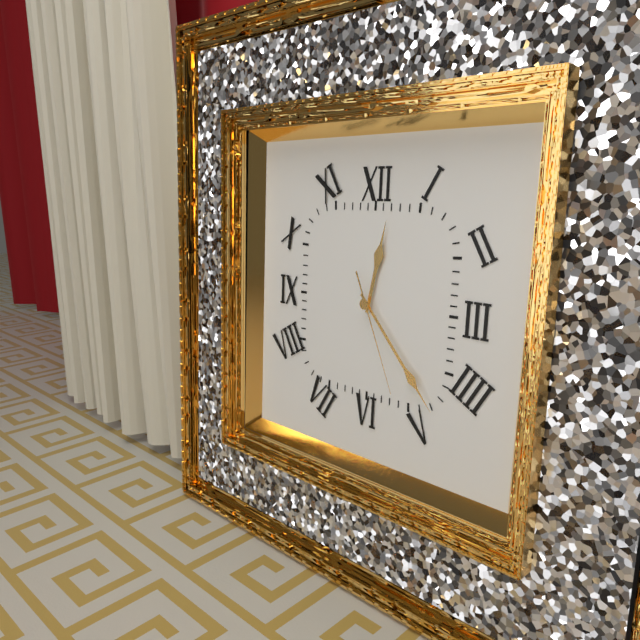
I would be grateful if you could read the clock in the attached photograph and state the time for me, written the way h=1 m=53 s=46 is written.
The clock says h=12 m=23 s=26
